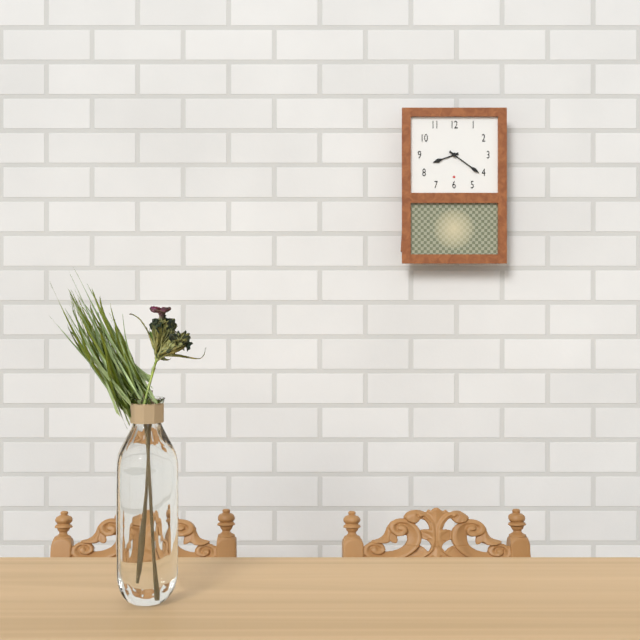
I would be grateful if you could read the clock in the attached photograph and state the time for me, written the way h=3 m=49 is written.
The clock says h=8 m=21
